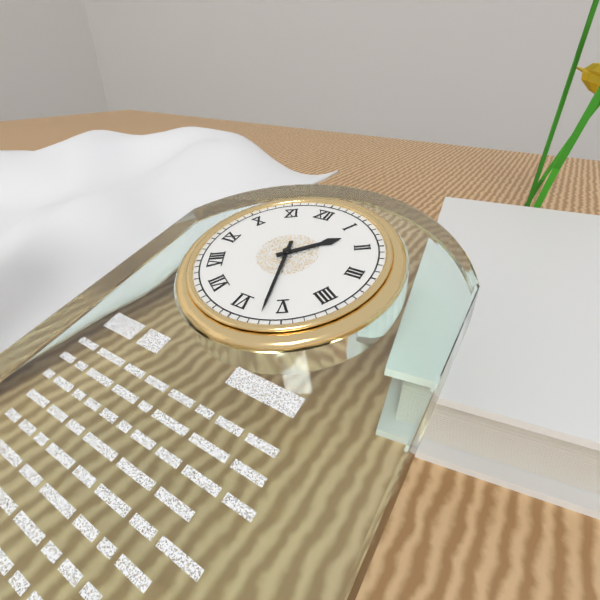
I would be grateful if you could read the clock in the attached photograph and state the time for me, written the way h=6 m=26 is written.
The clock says h=1 m=27
